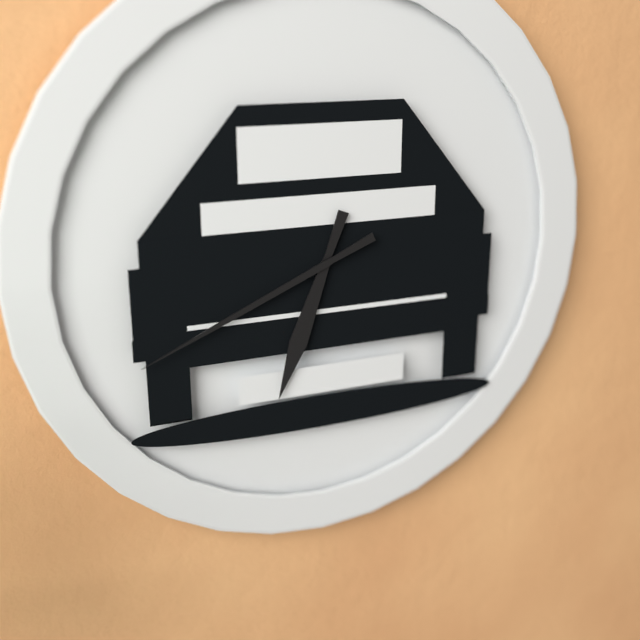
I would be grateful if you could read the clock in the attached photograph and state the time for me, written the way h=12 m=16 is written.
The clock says h=6 m=41
